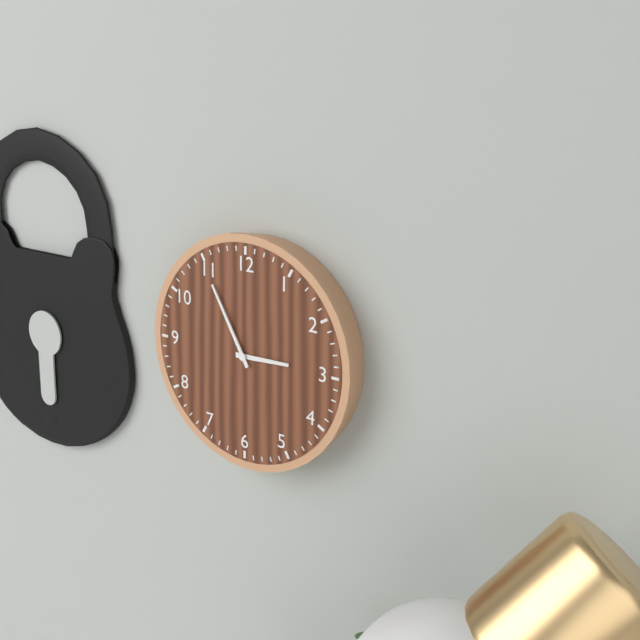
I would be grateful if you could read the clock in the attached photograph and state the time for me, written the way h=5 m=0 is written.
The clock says h=2 m=55
